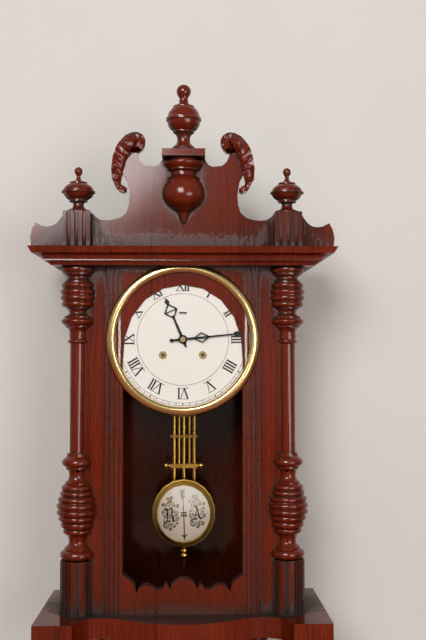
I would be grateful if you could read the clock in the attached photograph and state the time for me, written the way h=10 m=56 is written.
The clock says h=11 m=14
